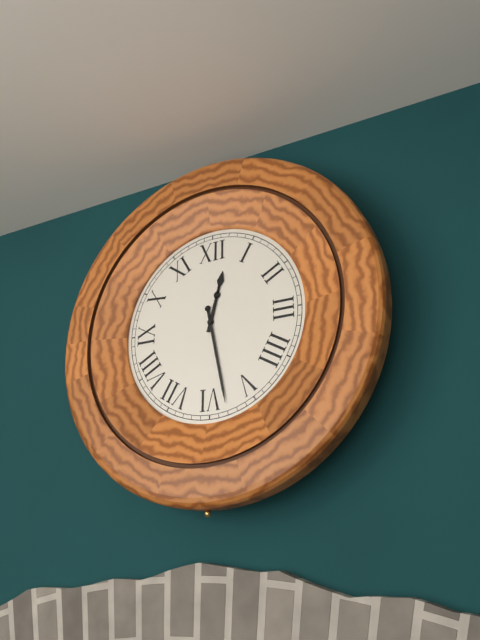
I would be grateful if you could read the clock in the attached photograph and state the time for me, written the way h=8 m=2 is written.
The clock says h=12 m=28
